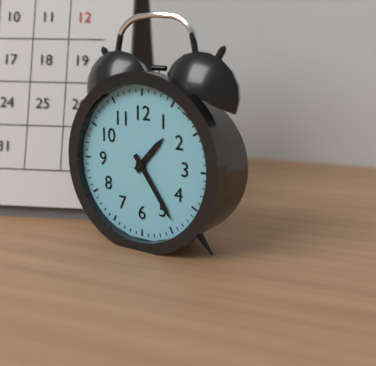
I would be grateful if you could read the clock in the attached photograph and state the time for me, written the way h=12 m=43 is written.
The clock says h=1 m=24
